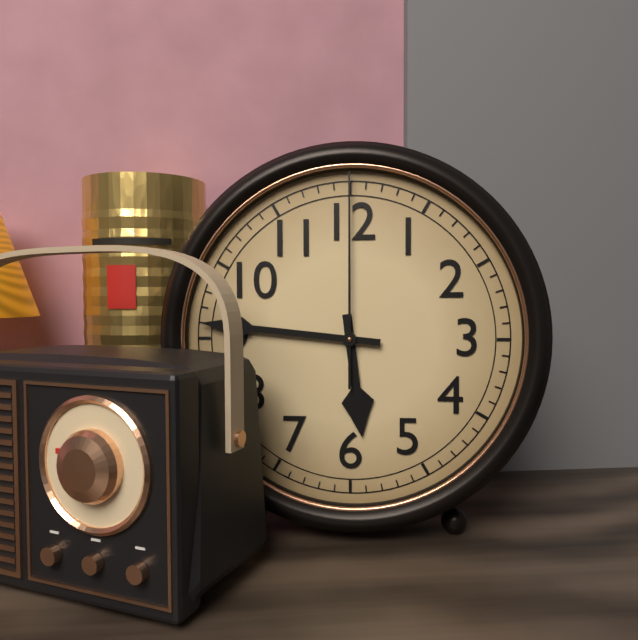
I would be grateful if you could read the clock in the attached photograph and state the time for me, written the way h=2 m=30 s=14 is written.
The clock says h=5 m=46 s=0
